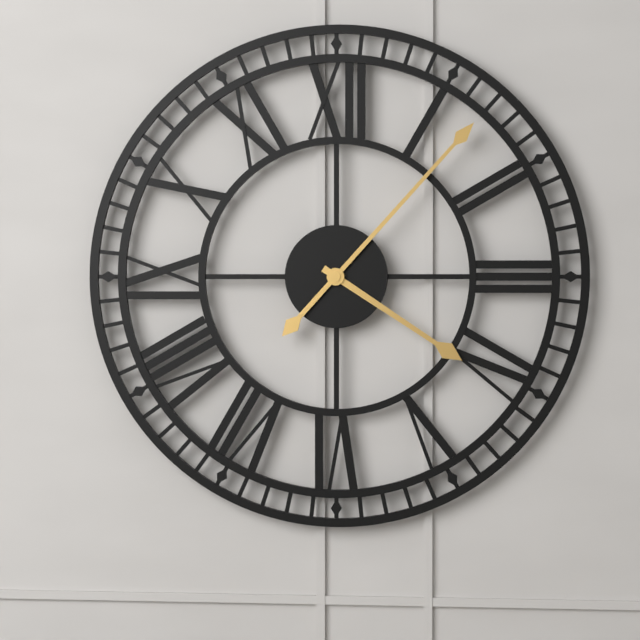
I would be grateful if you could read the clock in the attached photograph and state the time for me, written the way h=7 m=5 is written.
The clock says h=4 m=7
